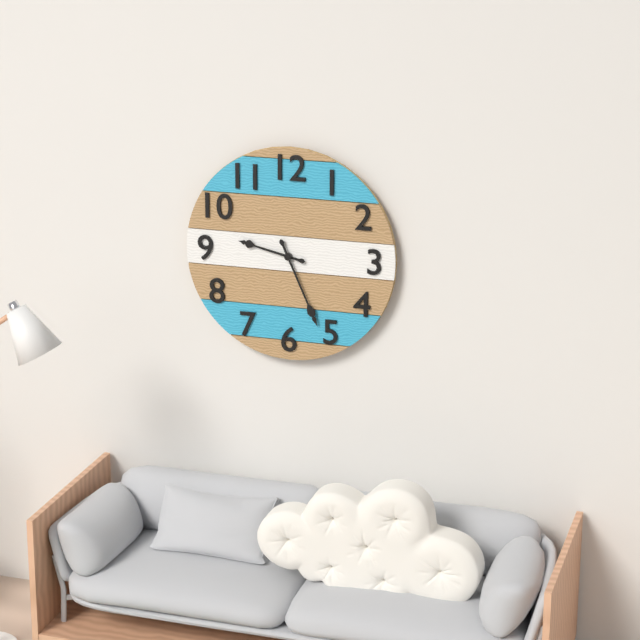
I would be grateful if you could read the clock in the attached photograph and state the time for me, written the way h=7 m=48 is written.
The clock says h=9 m=26
